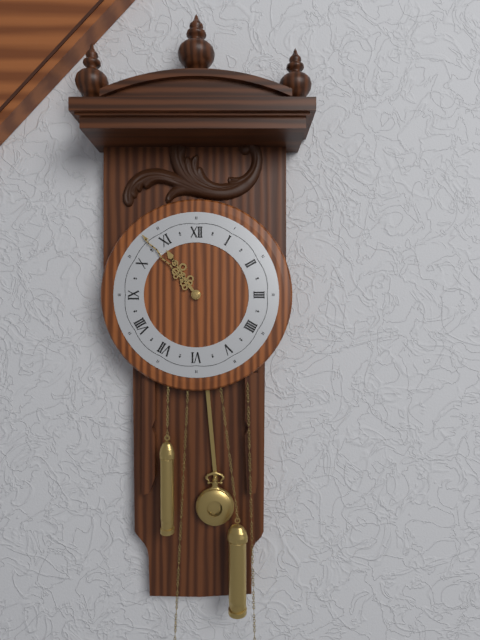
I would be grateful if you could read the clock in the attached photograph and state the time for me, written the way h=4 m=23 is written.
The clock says h=10 m=53
